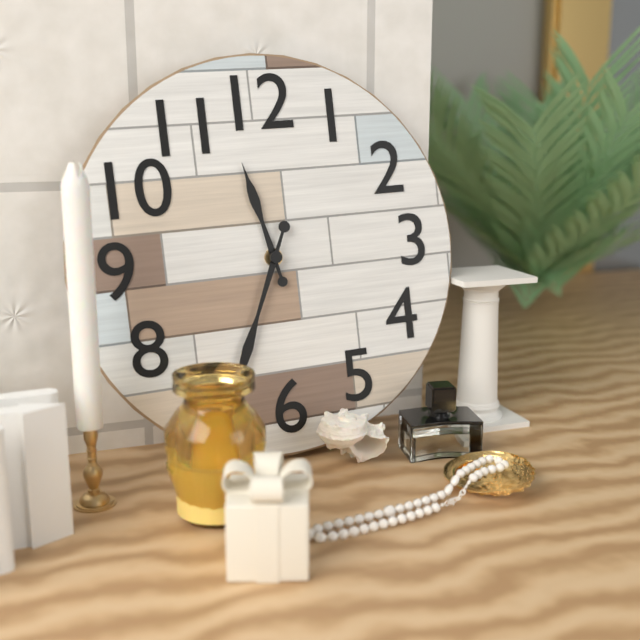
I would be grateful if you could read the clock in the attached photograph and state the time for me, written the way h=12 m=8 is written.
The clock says h=11 m=34
